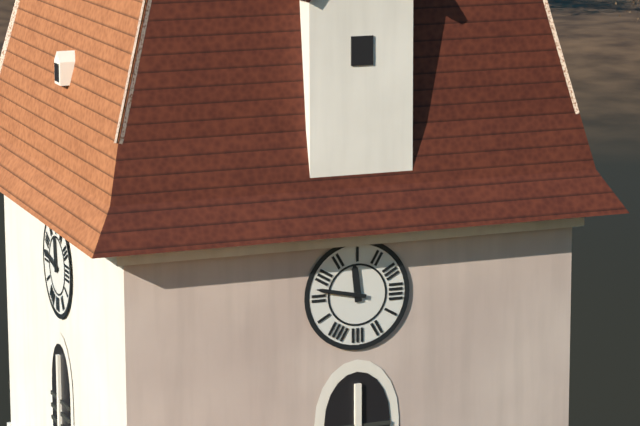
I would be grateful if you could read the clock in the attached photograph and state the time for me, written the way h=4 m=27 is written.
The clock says h=11 m=47
